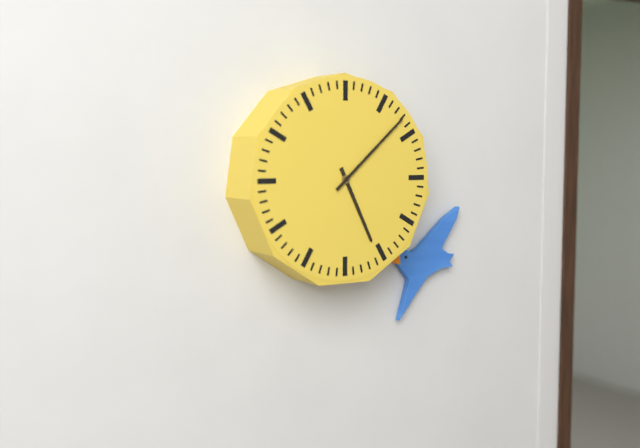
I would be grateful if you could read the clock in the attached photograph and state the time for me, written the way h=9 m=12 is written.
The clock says h=5 m=8
